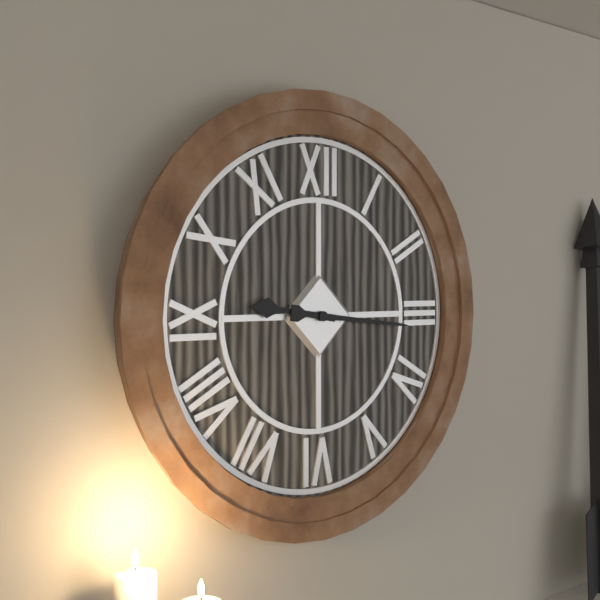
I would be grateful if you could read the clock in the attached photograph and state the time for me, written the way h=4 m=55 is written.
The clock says h=9 m=16
